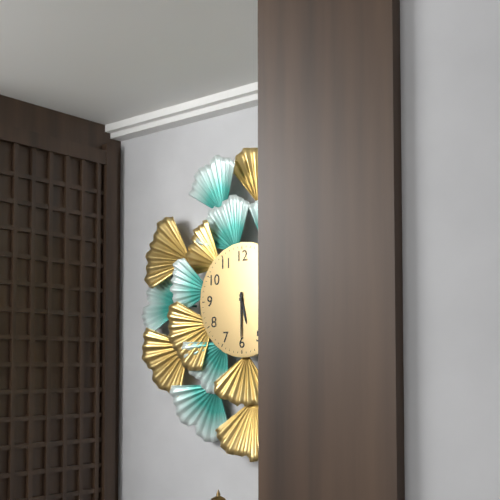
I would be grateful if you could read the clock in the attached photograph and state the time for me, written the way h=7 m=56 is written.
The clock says h=5 m=30
